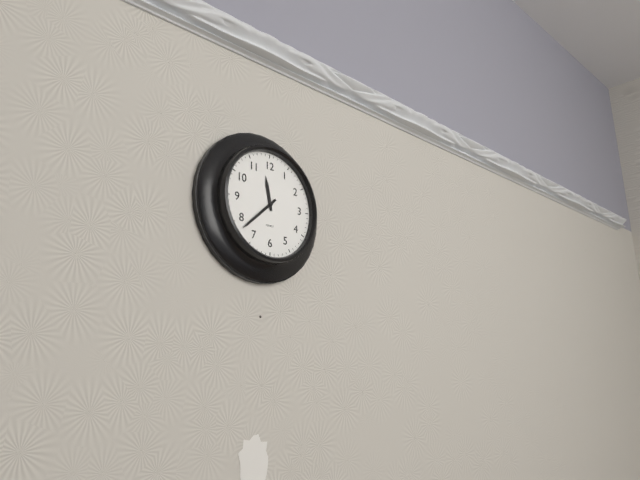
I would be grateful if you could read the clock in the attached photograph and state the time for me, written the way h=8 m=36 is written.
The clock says h=11 m=38
